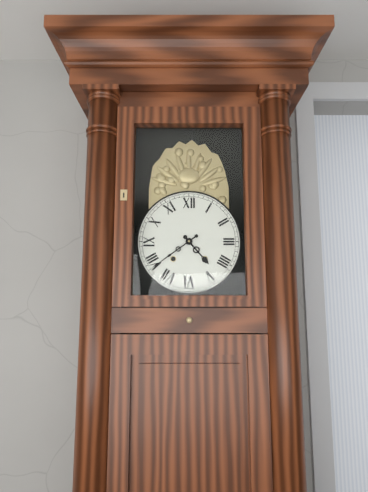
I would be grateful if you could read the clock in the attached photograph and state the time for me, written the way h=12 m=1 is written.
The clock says h=4 m=39
